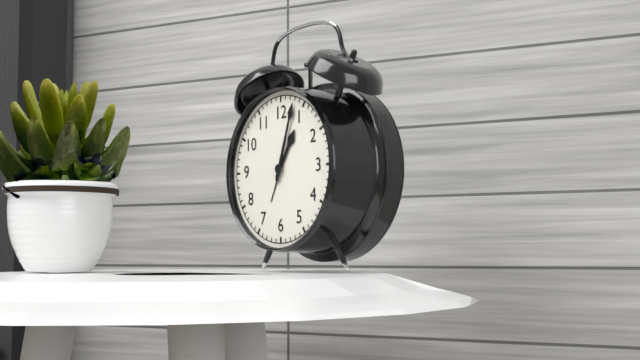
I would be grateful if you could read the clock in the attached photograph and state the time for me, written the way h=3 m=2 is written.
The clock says h=1 m=3
